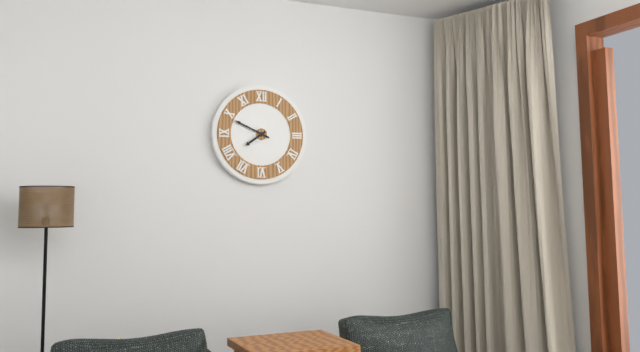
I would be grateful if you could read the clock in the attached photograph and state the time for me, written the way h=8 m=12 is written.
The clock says h=7 m=49
